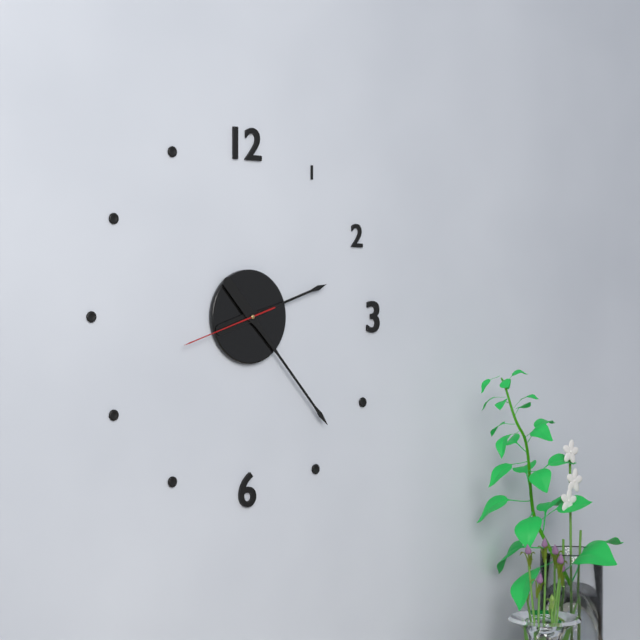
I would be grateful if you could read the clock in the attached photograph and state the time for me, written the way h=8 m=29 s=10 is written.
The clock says h=2 m=23 s=42
